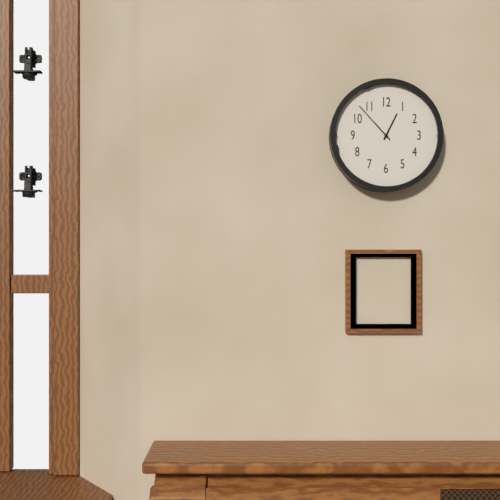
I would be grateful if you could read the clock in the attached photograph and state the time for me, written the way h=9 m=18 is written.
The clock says h=12 m=53
